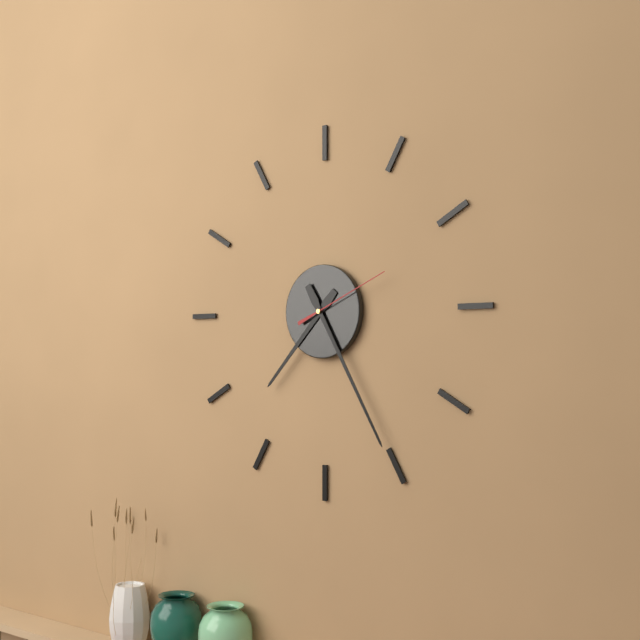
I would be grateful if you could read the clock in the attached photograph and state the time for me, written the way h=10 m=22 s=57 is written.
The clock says h=7 m=25 s=11
